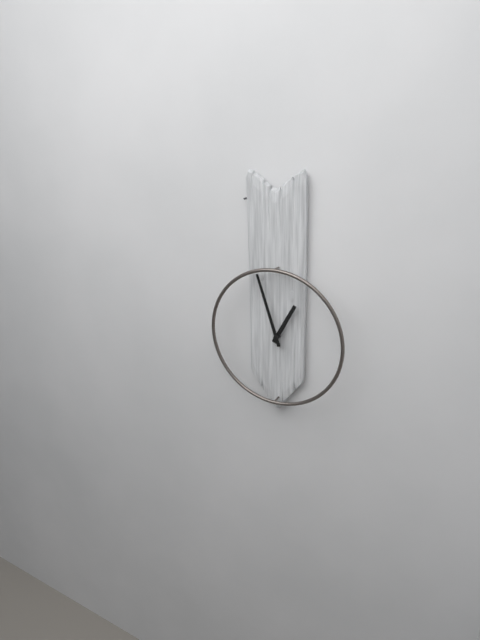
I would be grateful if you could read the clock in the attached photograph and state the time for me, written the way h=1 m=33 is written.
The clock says h=12 m=57
